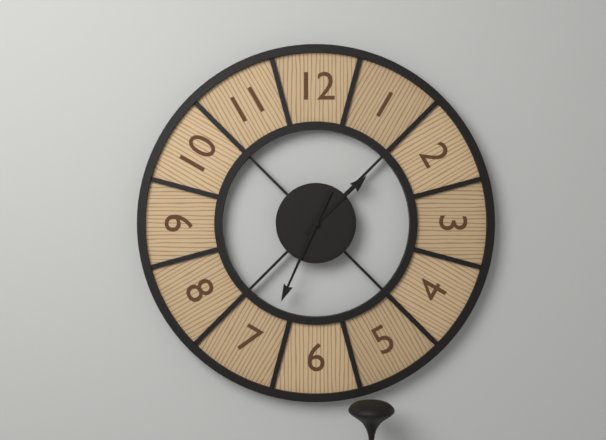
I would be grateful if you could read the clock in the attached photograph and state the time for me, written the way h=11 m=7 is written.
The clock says h=1 m=34
